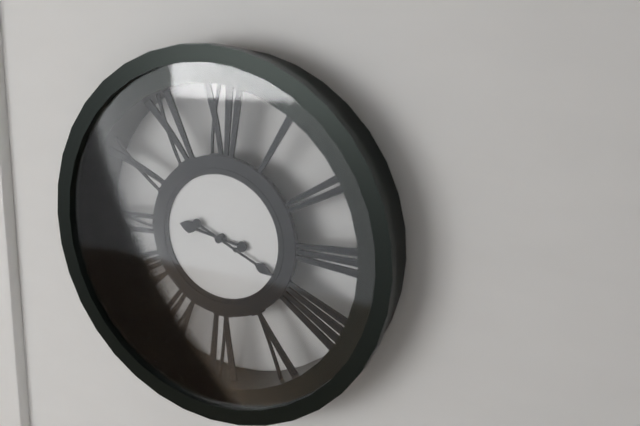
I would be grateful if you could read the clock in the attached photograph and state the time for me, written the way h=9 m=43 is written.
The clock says h=9 m=19
